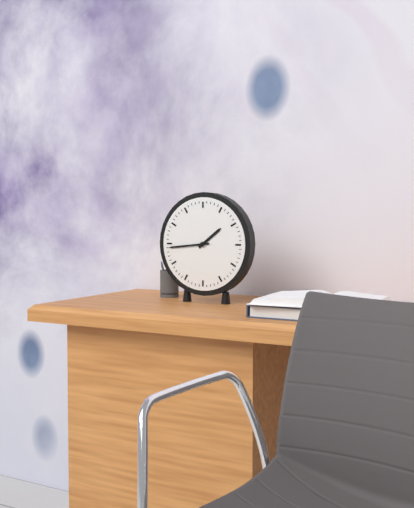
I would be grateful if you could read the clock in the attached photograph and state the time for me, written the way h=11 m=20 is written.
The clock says h=1 m=44
